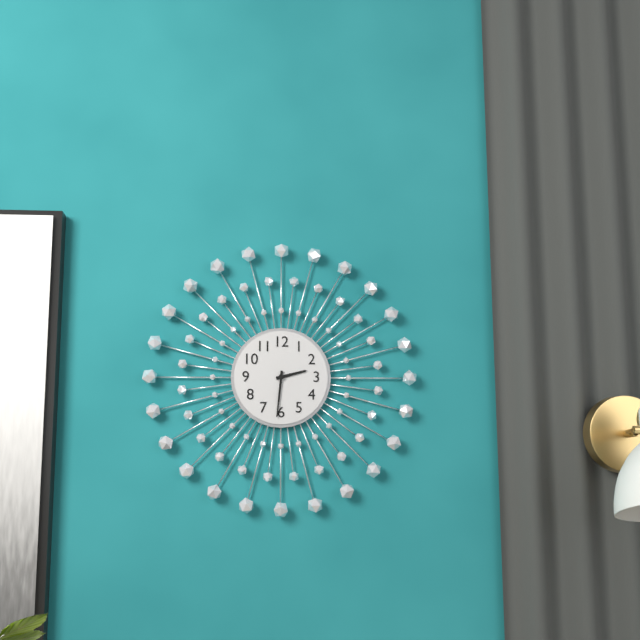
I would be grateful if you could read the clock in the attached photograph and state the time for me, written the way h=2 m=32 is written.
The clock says h=2 m=31
